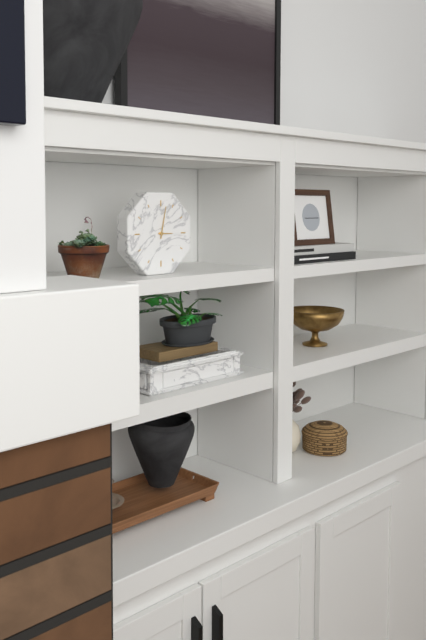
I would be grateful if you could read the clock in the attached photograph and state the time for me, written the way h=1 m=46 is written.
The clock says h=3 m=2
